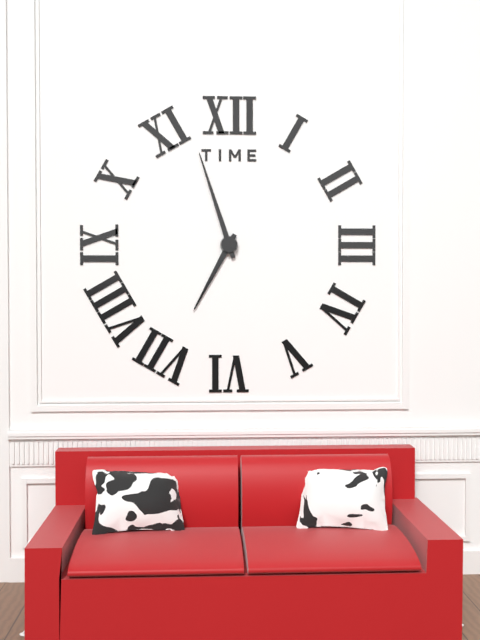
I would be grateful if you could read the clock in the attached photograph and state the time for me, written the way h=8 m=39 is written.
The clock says h=6 m=57
